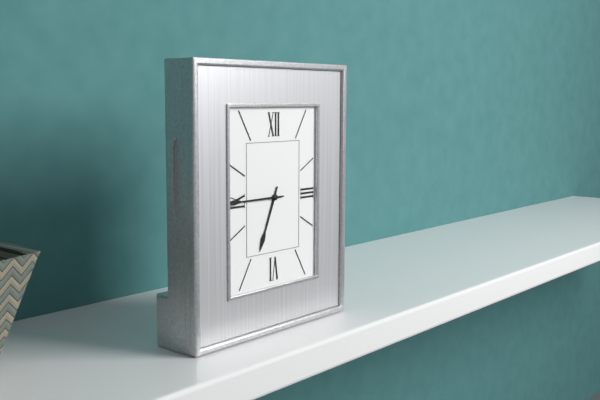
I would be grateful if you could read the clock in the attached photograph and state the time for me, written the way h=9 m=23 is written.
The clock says h=6 m=45
